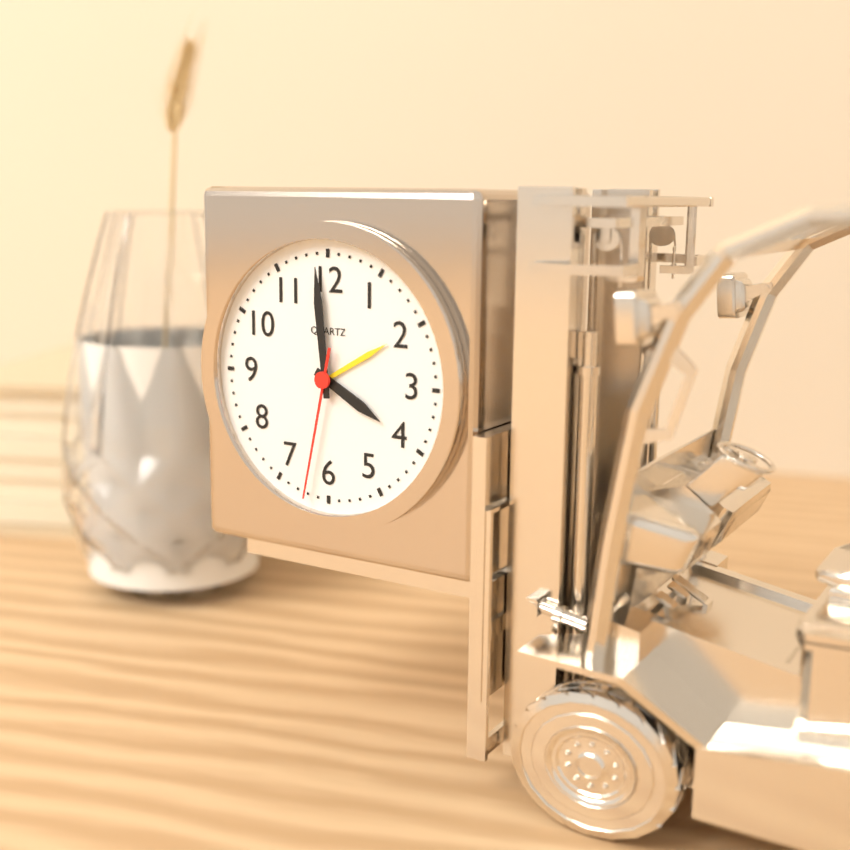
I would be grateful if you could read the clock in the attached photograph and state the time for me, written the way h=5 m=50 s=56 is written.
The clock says h=3 m=59 s=32
